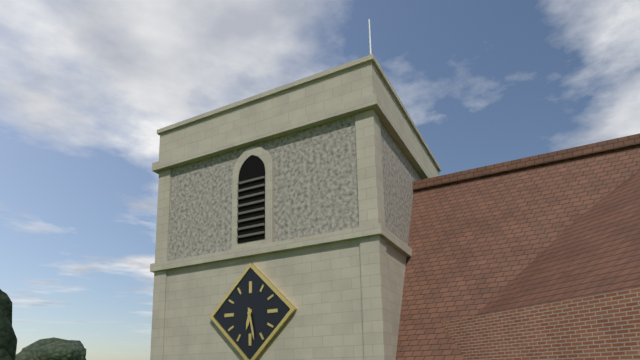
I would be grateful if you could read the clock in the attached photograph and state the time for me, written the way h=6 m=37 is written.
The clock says h=6 m=28
